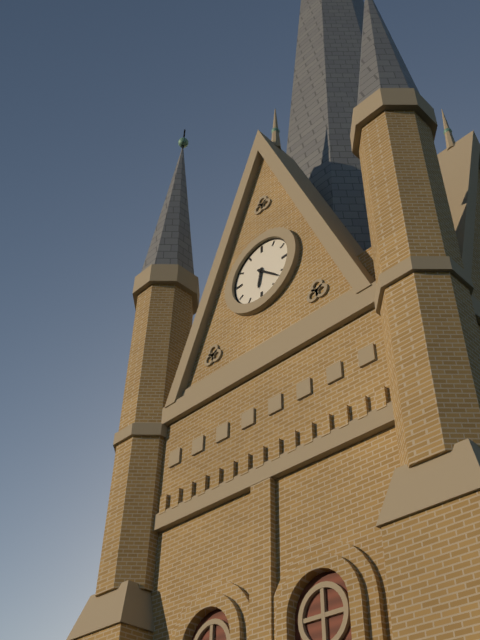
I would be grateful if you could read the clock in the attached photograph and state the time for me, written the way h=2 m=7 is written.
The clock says h=6 m=22
